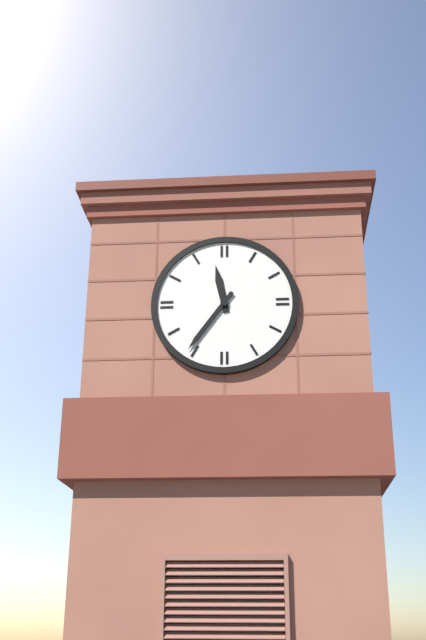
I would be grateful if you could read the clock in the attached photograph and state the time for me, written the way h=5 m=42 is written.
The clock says h=11 m=36
